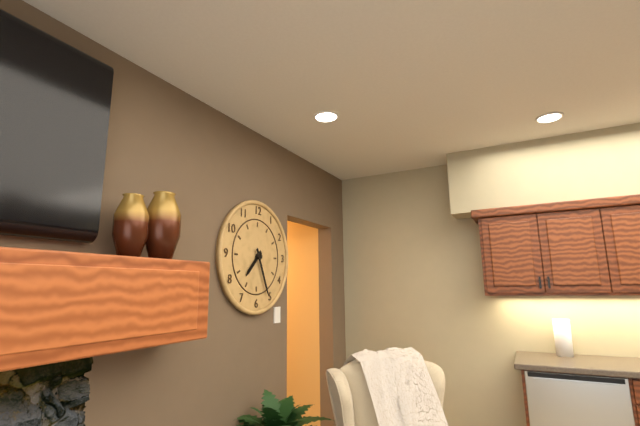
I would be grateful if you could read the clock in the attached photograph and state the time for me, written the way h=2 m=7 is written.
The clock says h=7 m=26
